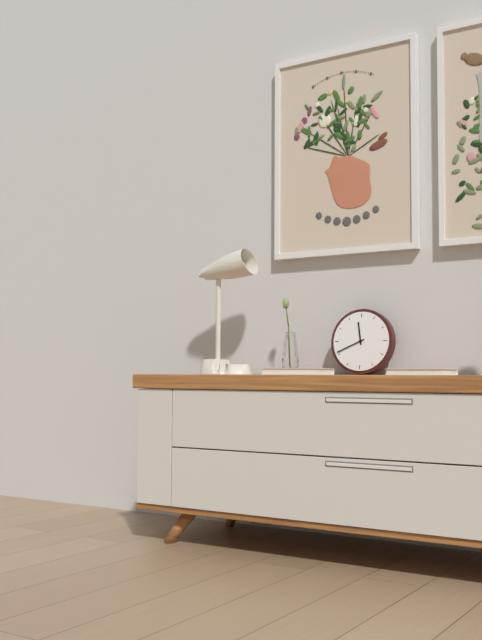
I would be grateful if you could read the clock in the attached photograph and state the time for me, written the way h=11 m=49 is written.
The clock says h=11 m=41
